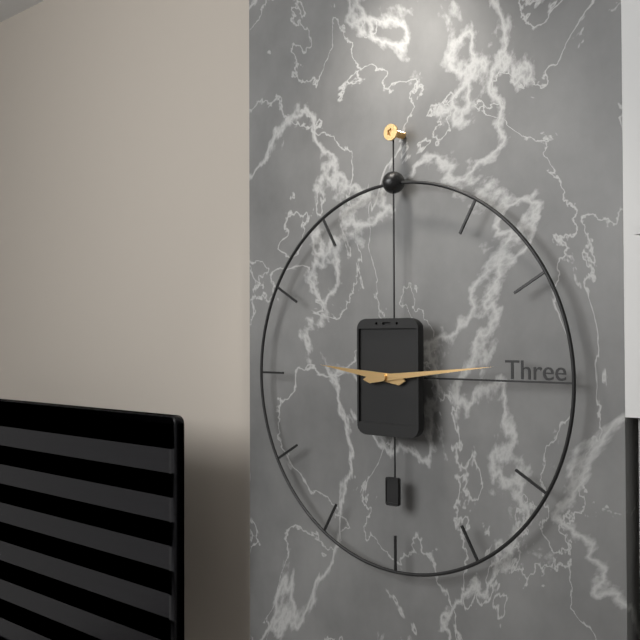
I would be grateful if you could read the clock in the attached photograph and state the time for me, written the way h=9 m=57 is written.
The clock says h=9 m=14
